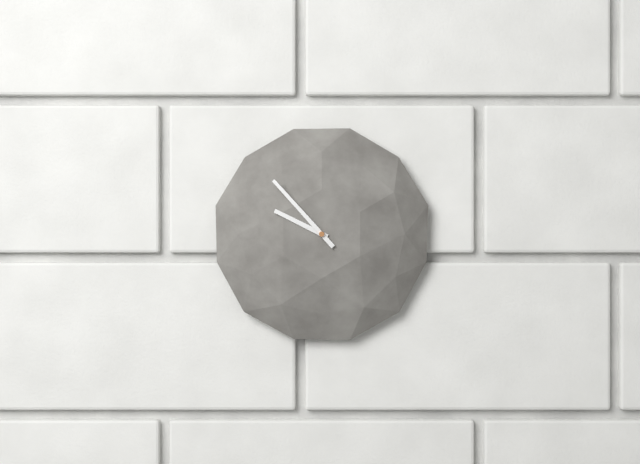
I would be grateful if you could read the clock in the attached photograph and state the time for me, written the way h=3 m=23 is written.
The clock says h=9 m=53
